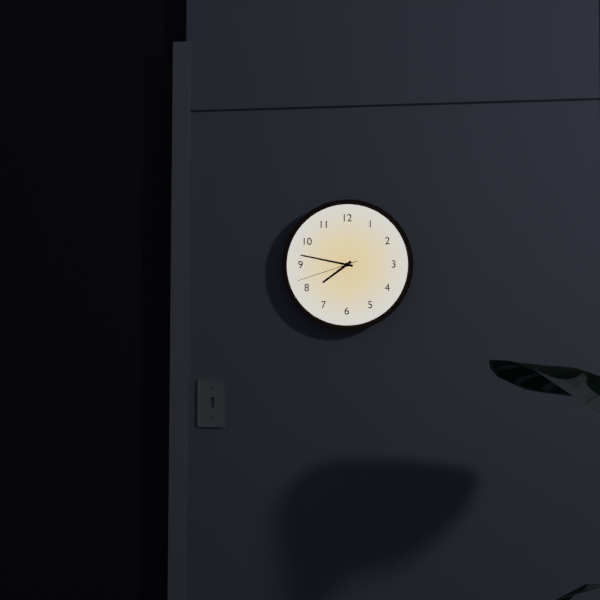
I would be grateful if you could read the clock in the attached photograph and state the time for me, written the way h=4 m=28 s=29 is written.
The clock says h=7 m=47 s=42
